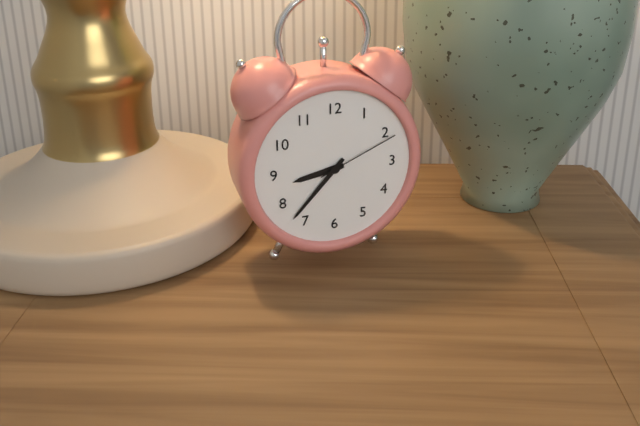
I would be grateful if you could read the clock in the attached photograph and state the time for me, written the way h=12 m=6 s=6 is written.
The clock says h=8 m=37 s=11
